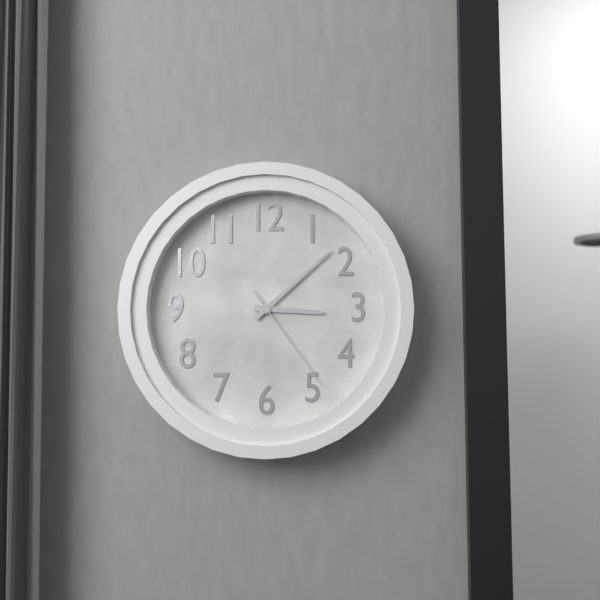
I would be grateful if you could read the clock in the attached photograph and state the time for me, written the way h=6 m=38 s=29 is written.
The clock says h=3 m=8 s=24
